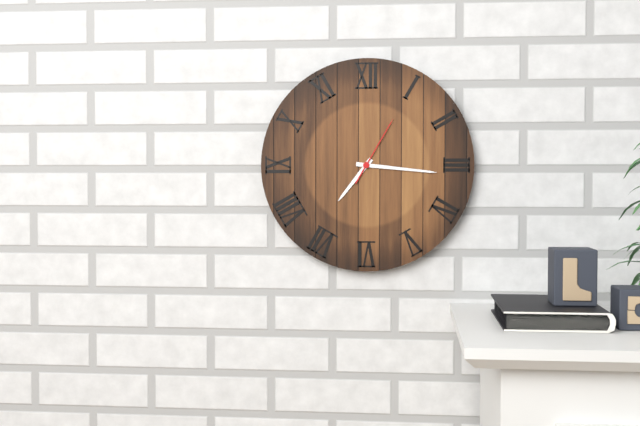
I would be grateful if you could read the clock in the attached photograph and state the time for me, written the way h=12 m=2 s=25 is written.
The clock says h=7 m=16 s=5
